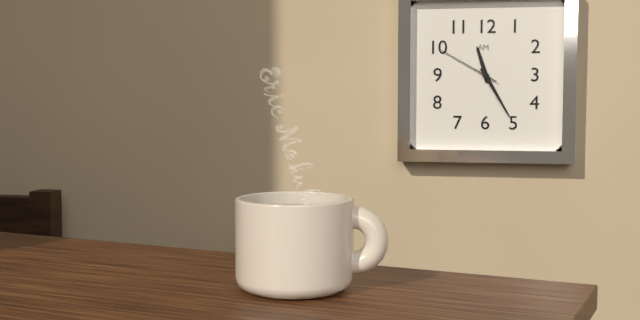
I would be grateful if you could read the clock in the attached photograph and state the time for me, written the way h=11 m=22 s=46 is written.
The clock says h=11 m=25 s=50
